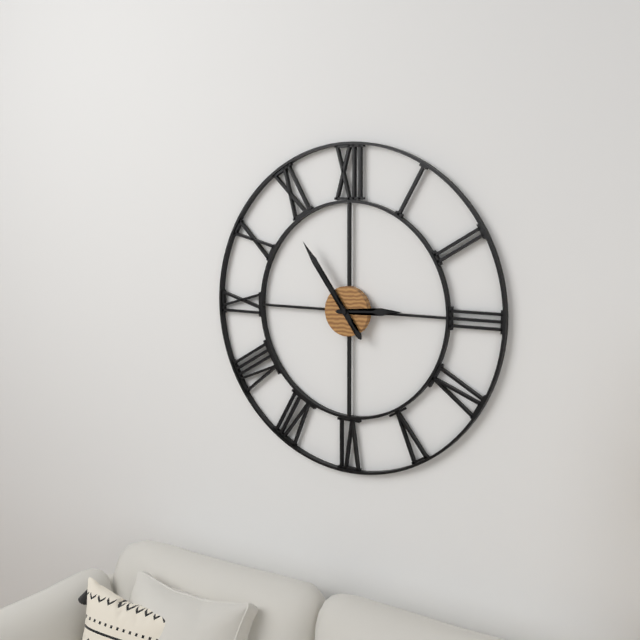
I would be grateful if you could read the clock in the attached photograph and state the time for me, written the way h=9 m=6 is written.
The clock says h=2 m=54
